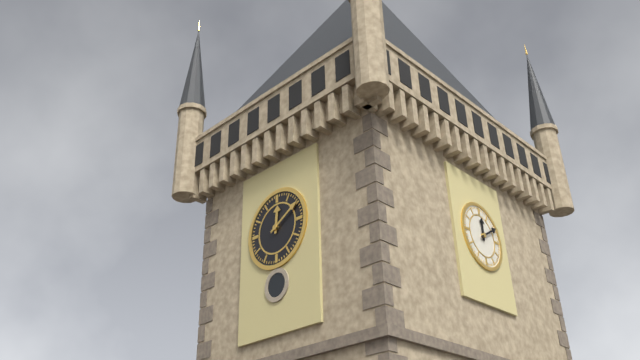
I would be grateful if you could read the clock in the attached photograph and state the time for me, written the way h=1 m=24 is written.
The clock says h=12 m=10
